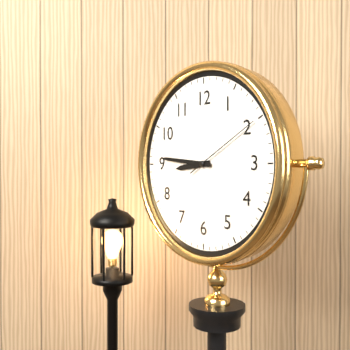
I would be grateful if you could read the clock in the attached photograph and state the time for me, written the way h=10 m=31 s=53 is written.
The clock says h=8 m=46 s=10
